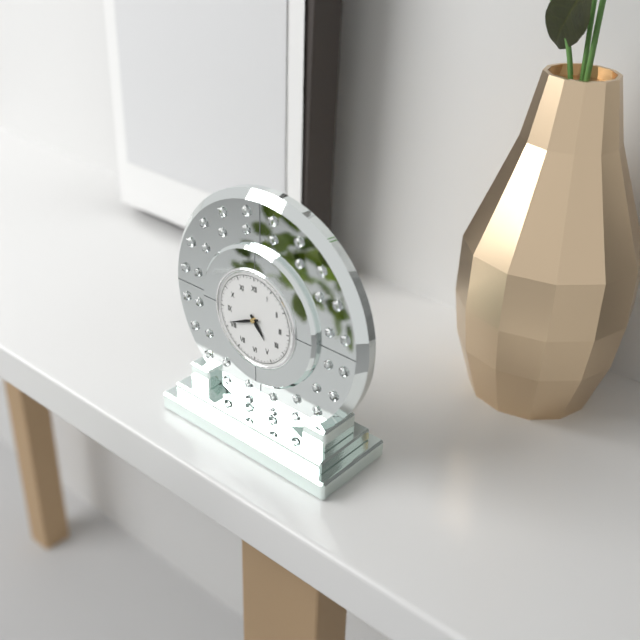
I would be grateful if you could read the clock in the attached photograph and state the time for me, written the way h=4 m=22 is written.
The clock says h=4 m=41
